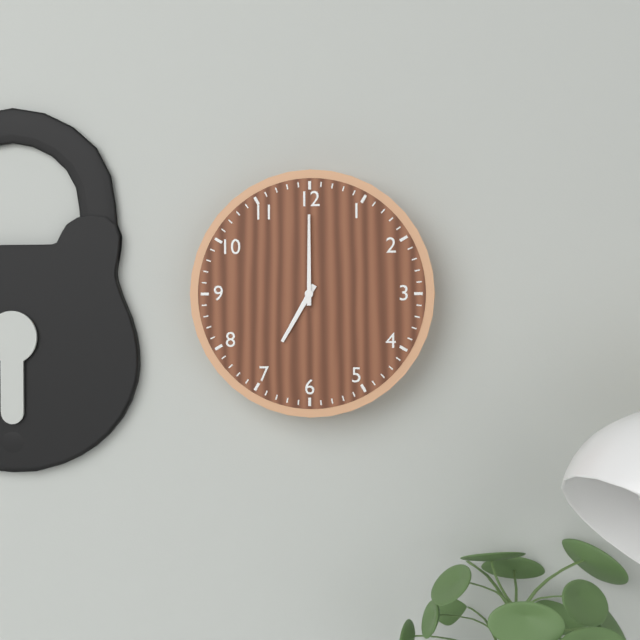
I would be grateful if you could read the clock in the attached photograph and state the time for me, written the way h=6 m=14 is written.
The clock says h=7 m=0
